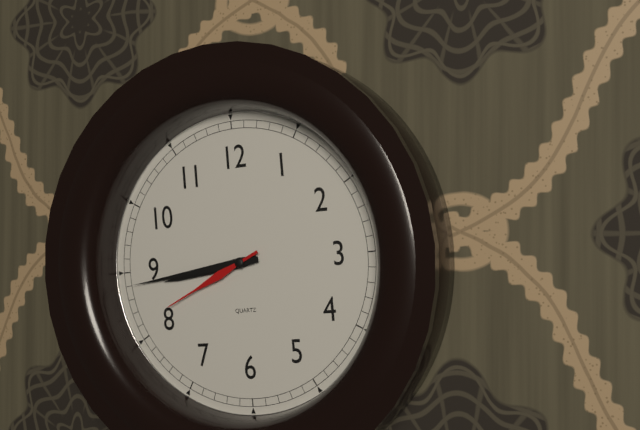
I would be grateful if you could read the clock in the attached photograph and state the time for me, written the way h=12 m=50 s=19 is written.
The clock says h=8 m=44 s=41
